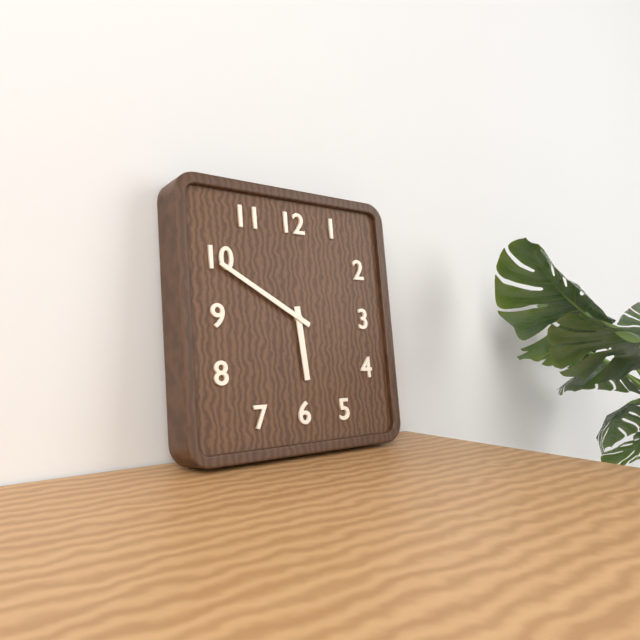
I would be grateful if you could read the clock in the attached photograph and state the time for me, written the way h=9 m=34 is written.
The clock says h=5 m=50
